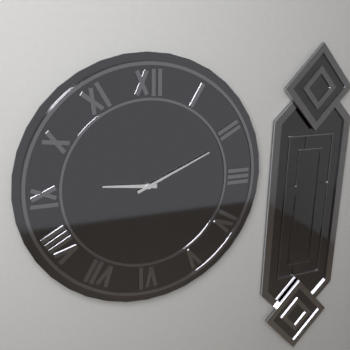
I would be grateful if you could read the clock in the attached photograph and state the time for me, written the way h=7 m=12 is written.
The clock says h=9 m=11
